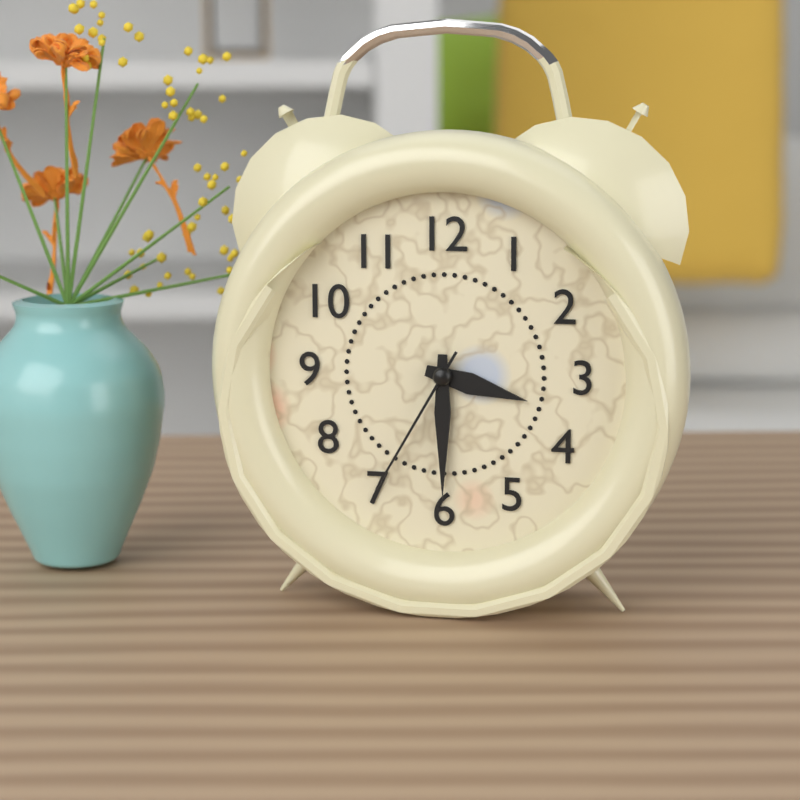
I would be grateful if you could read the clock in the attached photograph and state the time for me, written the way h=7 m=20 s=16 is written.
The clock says h=3 m=30 s=35
